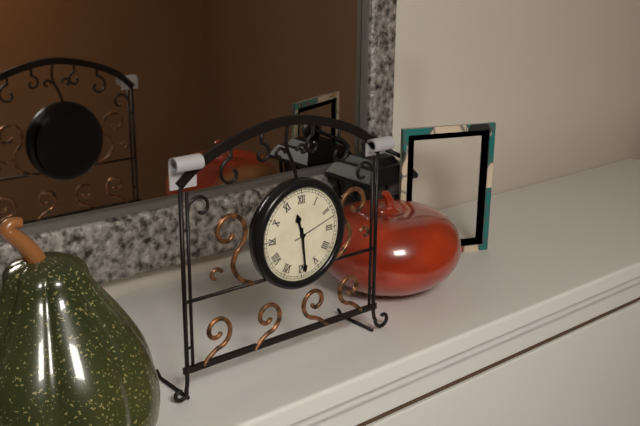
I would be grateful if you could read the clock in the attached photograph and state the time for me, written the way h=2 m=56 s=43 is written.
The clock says h=11 m=29 s=12
